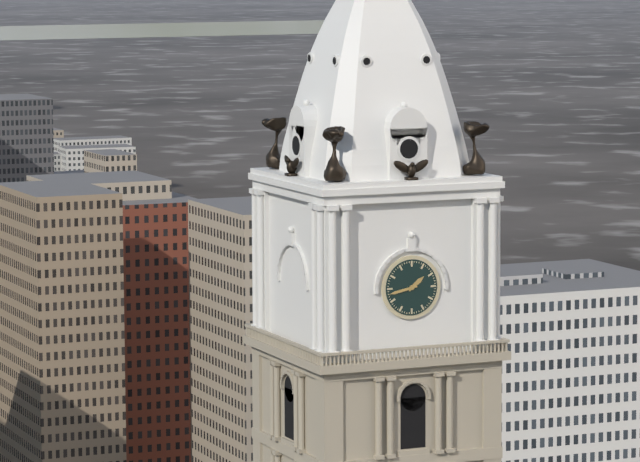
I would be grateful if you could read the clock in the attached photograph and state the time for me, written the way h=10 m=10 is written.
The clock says h=1 m=43
